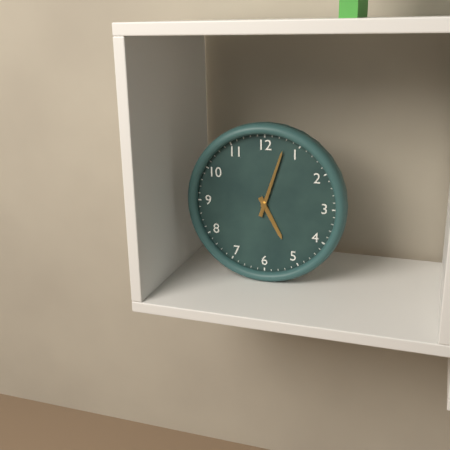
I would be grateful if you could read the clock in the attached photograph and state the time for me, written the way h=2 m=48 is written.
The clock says h=5 m=3
